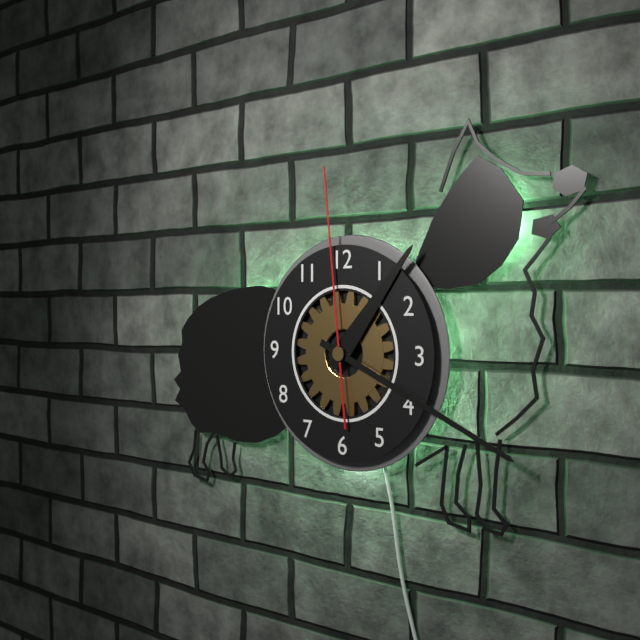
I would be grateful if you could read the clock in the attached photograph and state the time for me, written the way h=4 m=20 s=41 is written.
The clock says h=1 m=19 s=59
